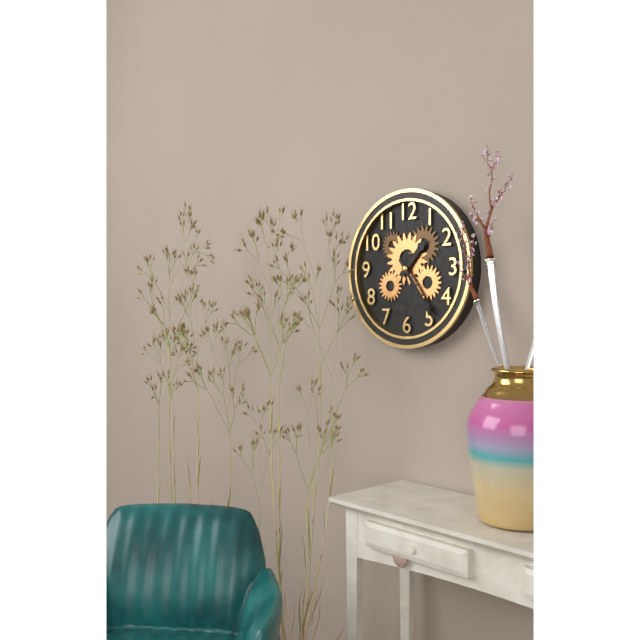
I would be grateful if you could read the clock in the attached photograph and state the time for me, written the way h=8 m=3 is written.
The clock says h=1 m=24
